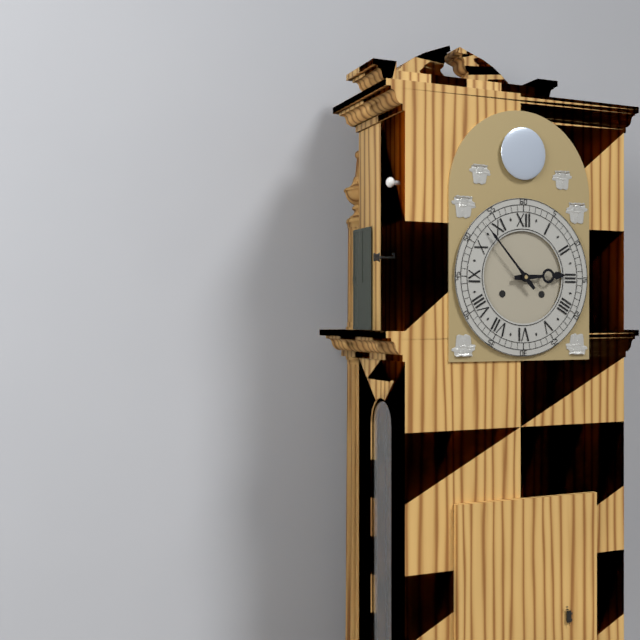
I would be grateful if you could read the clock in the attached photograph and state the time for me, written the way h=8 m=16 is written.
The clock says h=2 m=53
